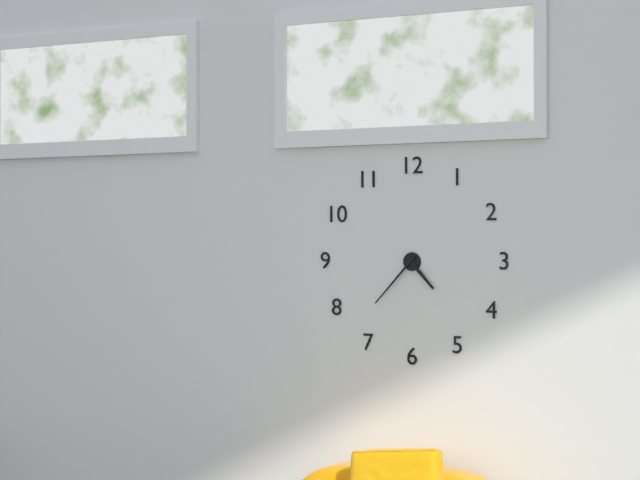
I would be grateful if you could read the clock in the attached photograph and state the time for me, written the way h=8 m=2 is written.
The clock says h=4 m=37
